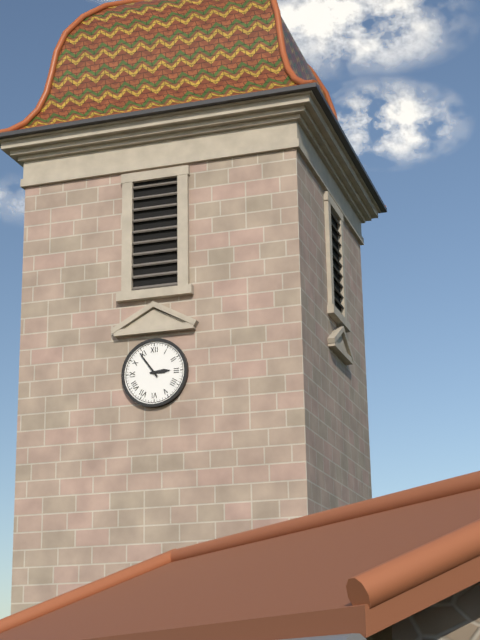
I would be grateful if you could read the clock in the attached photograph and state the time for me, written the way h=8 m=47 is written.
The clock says h=2 m=54
